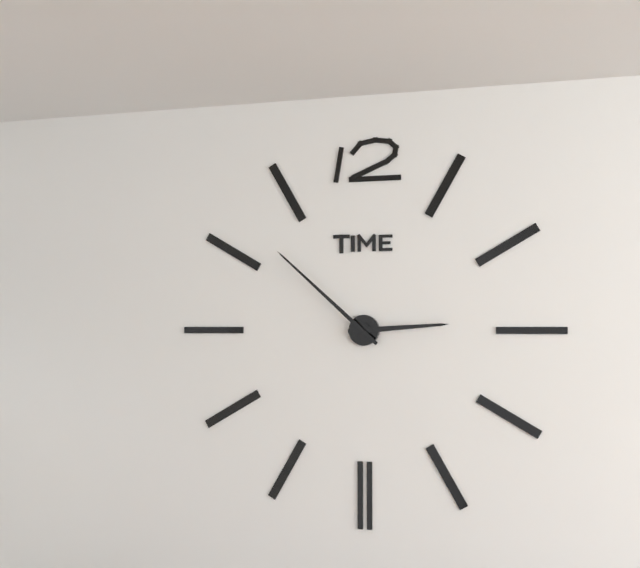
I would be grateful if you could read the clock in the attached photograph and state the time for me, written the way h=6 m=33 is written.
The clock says h=2 m=52
